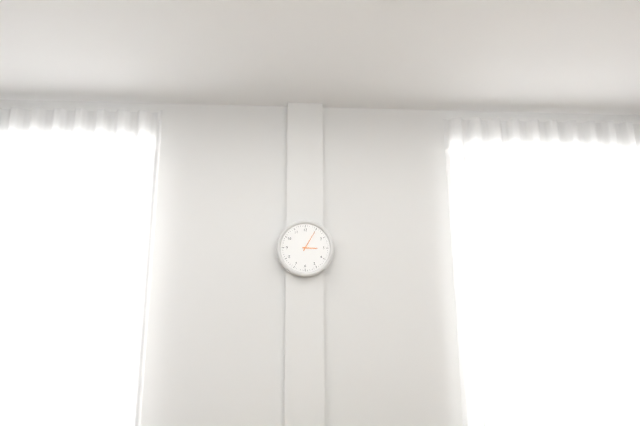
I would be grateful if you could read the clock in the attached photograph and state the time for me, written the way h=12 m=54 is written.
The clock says h=3 m=5
